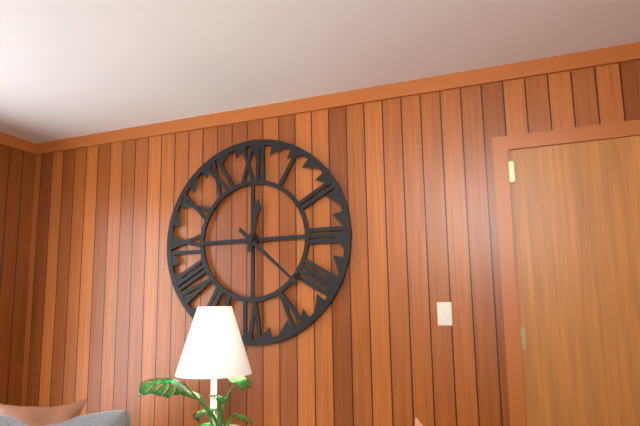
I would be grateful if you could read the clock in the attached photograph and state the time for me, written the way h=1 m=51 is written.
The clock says h=12 m=22
